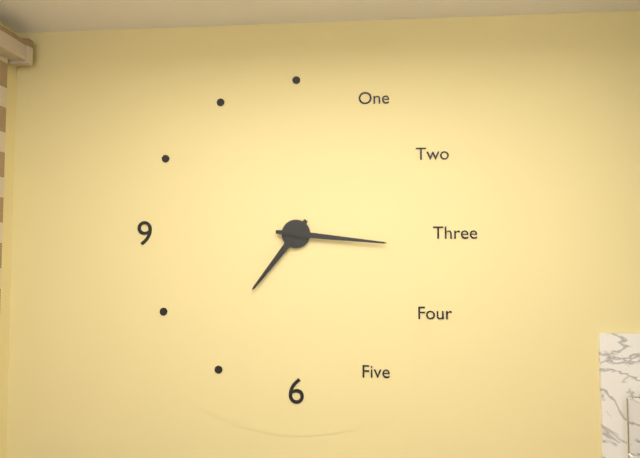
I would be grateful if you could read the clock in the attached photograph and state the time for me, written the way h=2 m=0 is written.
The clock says h=7 m=16
